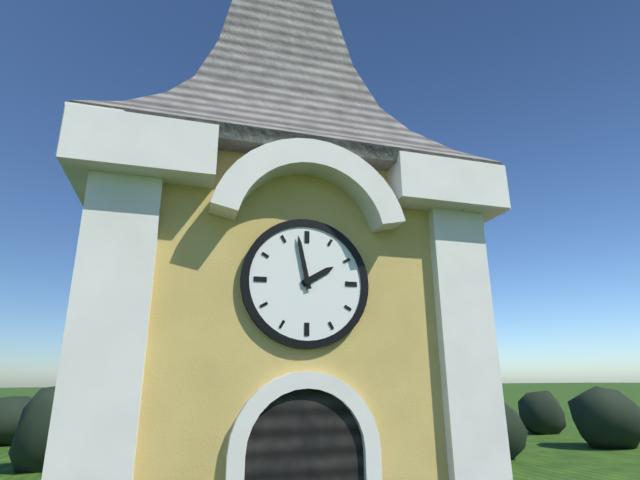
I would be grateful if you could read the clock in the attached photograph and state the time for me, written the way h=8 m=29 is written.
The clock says h=1 m=58
